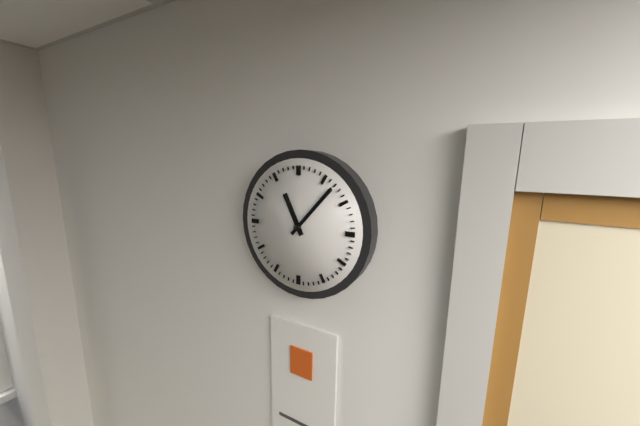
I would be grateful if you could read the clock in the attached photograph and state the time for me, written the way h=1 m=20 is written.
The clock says h=11 m=7
